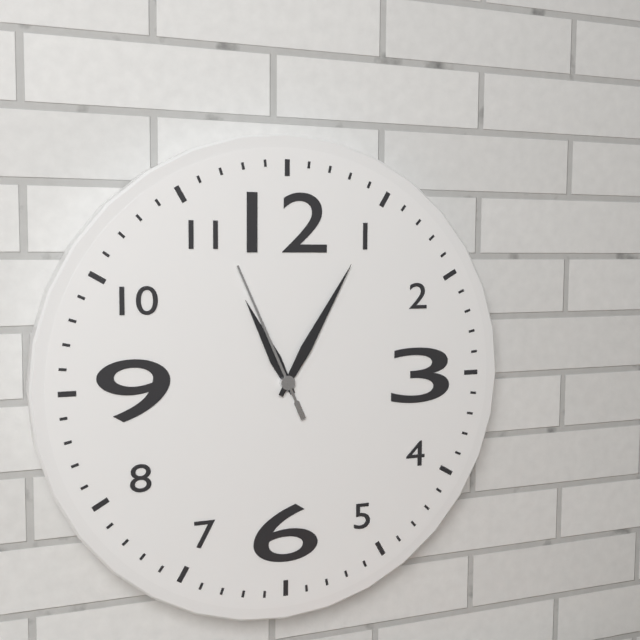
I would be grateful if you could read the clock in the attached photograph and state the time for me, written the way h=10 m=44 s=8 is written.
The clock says h=11 m=5 s=56
